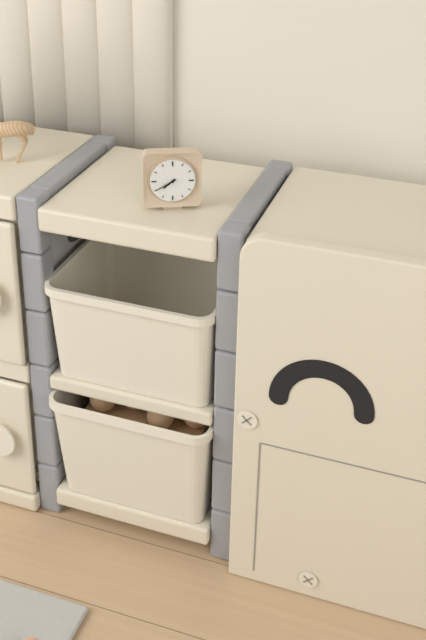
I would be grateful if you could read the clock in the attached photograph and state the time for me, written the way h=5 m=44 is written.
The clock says h=7 m=40
